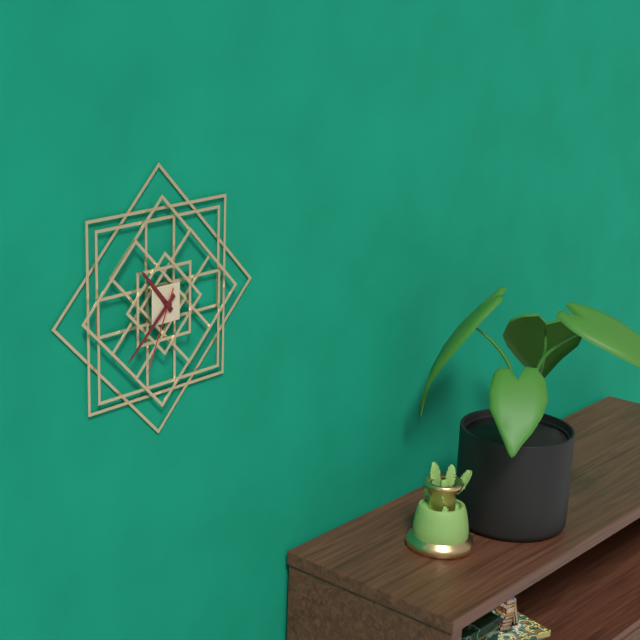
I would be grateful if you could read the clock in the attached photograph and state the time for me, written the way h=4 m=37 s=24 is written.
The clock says h=10 m=38 s=34
